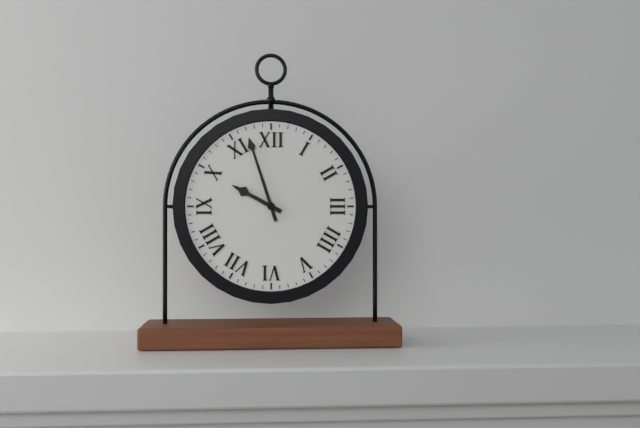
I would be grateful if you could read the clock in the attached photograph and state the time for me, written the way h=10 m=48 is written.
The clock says h=9 m=57
